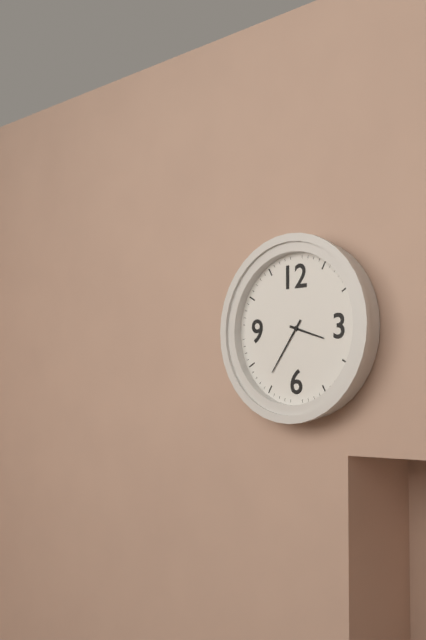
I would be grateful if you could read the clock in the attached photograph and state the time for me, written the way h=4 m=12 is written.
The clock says h=3 m=36
